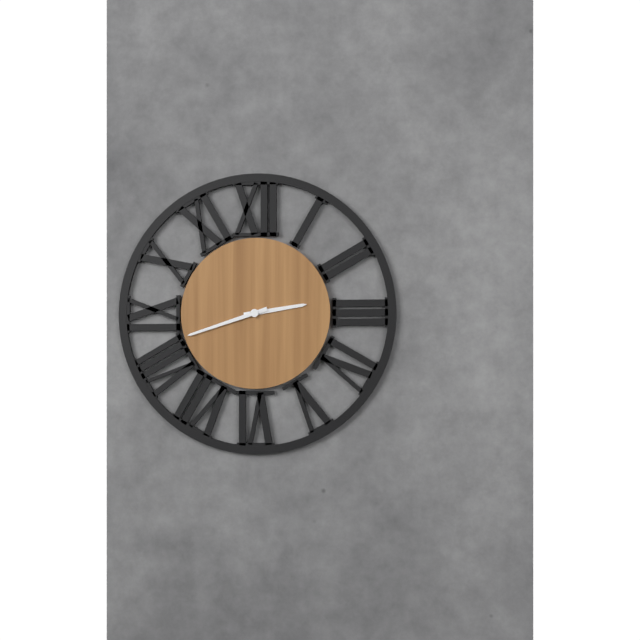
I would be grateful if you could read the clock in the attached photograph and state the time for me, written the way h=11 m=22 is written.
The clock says h=2 m=42
